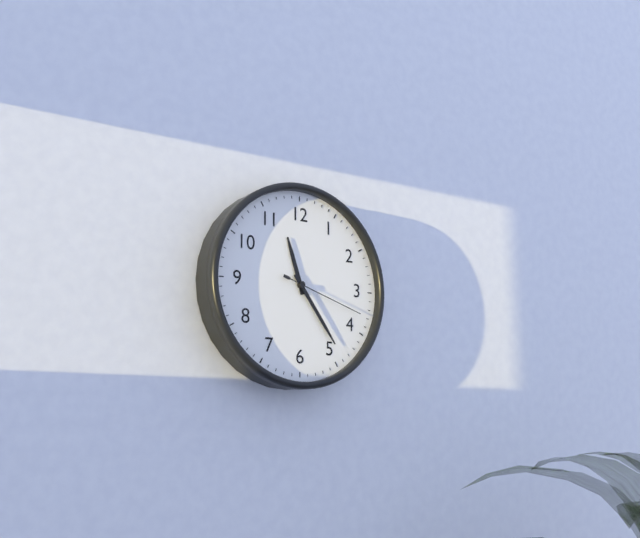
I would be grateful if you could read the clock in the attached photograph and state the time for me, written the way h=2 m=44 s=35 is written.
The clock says h=11 m=24 s=18
